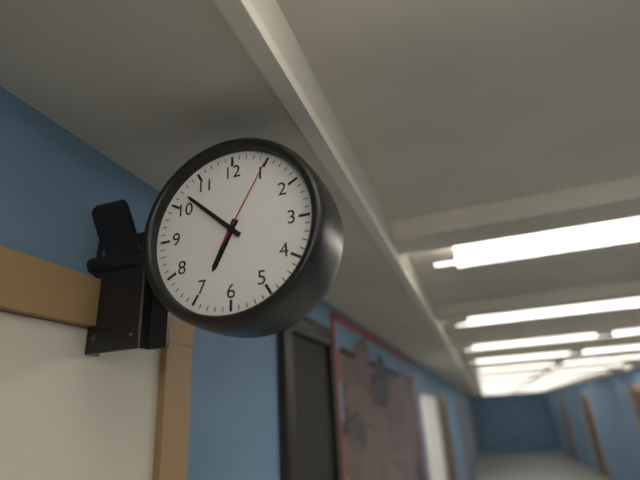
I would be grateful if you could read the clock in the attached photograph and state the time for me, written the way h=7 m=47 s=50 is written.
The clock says h=6 m=52 s=5
